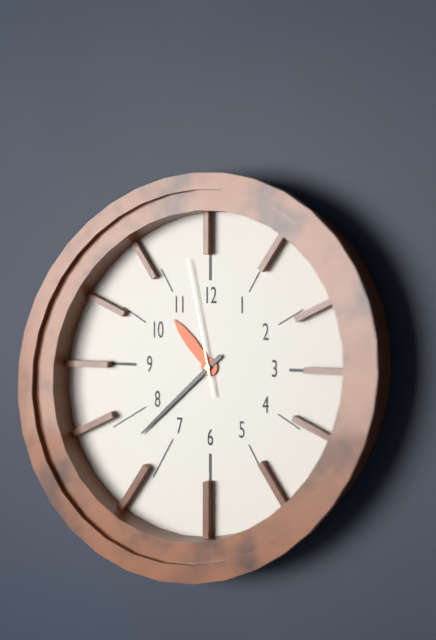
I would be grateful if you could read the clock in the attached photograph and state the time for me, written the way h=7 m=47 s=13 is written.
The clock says h=10 m=38 s=58
